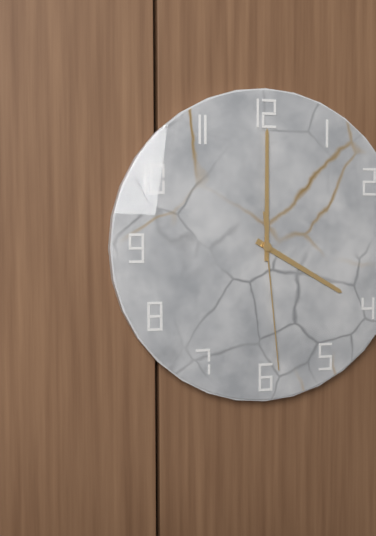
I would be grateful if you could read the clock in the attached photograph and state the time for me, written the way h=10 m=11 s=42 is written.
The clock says h=4 m=0 s=29
